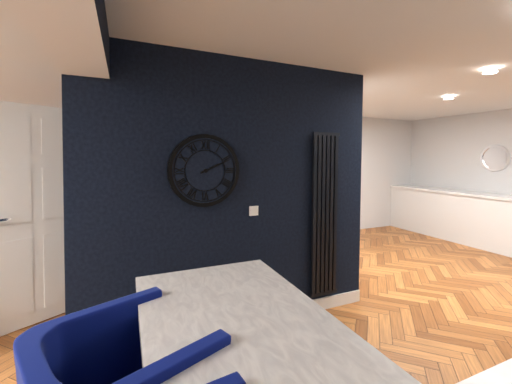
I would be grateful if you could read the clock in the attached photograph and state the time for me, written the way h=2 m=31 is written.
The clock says h=2 m=11
